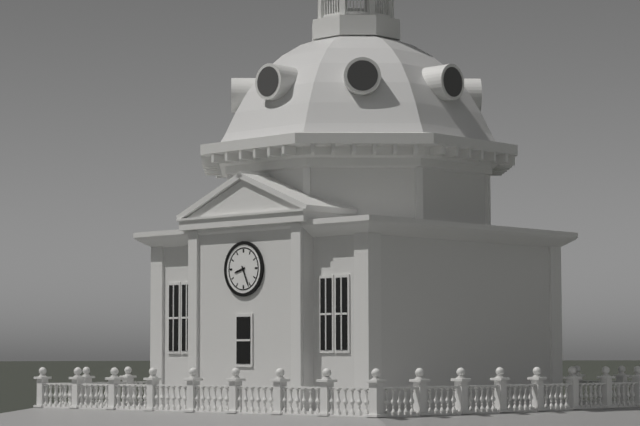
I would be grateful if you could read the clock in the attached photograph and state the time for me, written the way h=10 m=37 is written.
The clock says h=8 m=26
